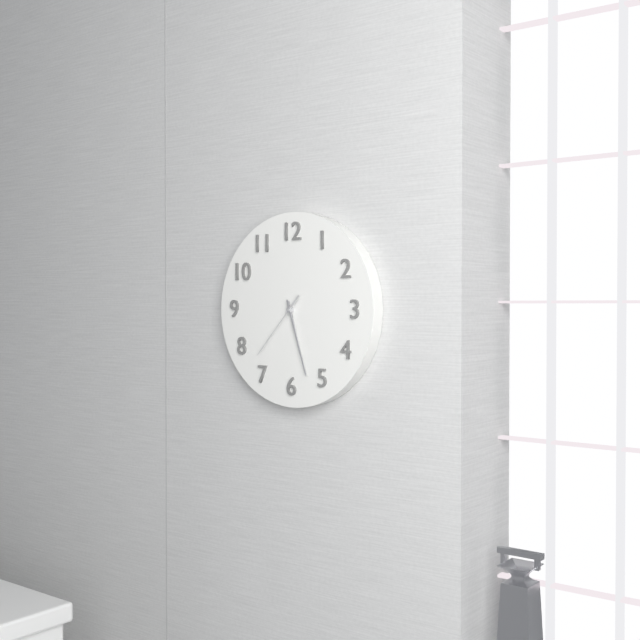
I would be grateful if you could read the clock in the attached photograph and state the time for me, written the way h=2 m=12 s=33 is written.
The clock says h=5 m=27 s=37
